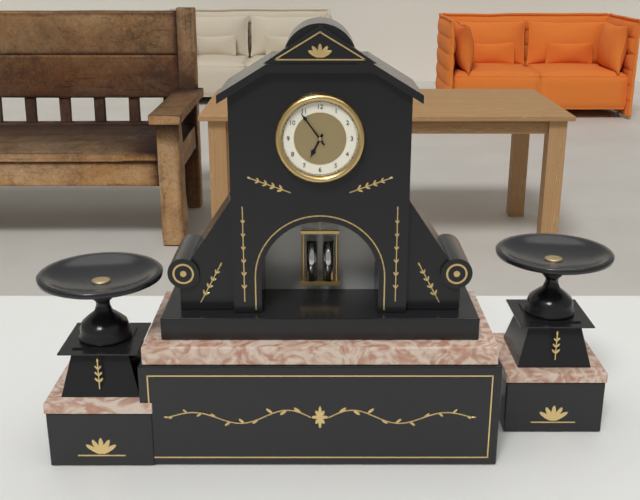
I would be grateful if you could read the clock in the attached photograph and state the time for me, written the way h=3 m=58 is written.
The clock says h=6 m=54
